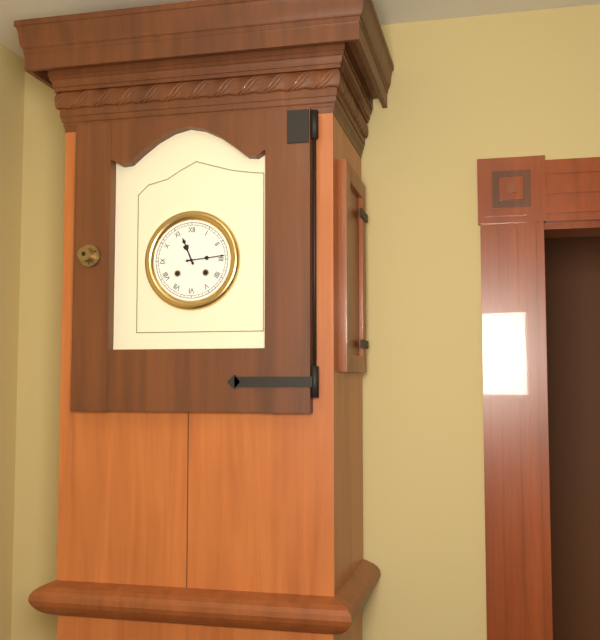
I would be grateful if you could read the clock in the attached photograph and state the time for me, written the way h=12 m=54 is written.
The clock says h=11 m=14
